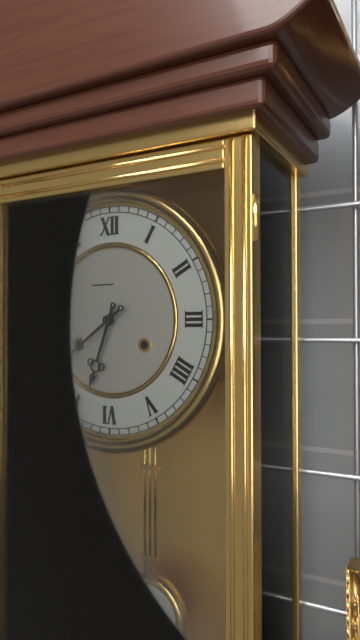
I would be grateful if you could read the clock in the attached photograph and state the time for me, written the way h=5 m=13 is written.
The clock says h=6 m=39
